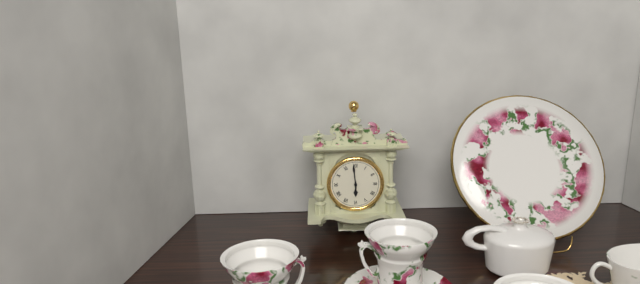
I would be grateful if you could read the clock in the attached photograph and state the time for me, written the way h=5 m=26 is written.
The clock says h=5 m=59
